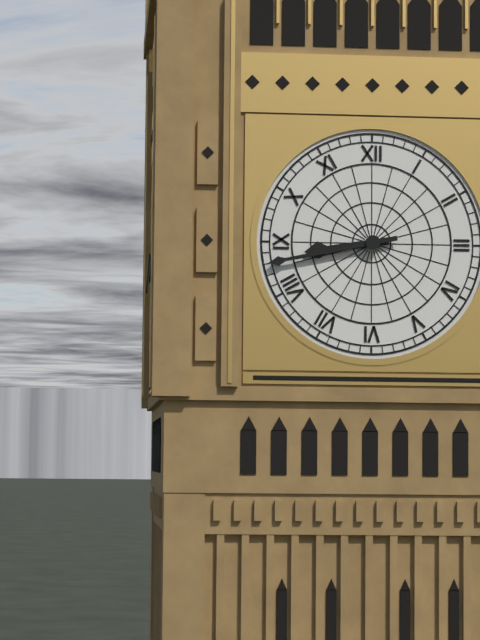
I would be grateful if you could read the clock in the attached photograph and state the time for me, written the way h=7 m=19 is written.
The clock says h=8 m=43
